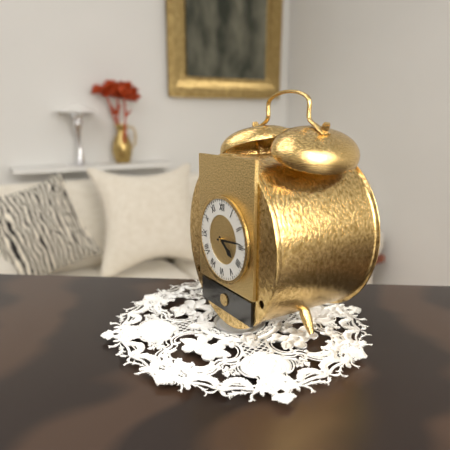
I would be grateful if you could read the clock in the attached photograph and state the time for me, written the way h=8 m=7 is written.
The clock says h=4 m=14
